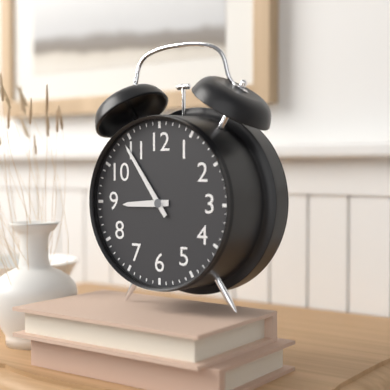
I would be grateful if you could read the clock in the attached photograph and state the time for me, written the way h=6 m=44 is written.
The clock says h=8 m=54
